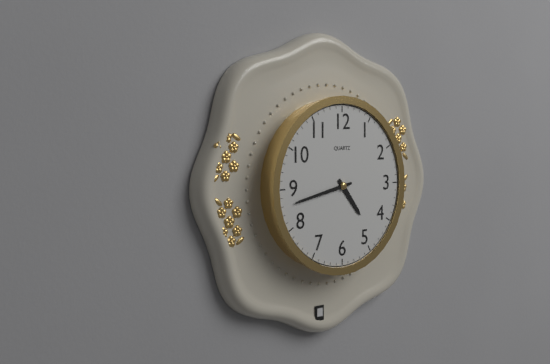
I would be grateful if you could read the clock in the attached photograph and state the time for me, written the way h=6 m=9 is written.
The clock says h=4 m=43
